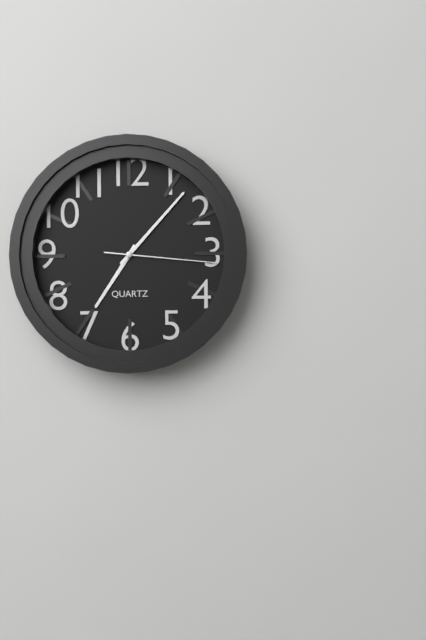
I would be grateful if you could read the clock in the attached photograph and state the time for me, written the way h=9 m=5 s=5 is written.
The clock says h=7 m=7 s=16
